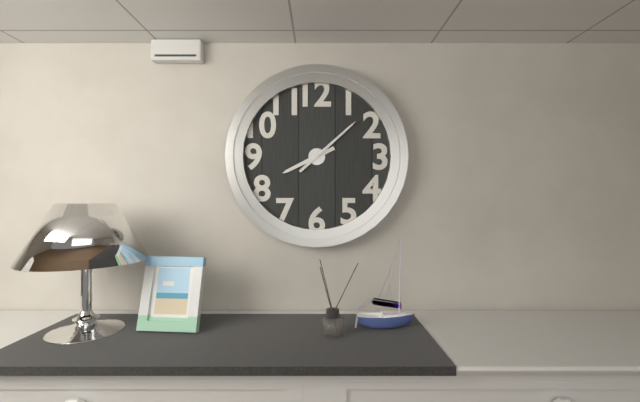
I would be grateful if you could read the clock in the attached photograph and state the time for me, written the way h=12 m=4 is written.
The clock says h=8 m=8
